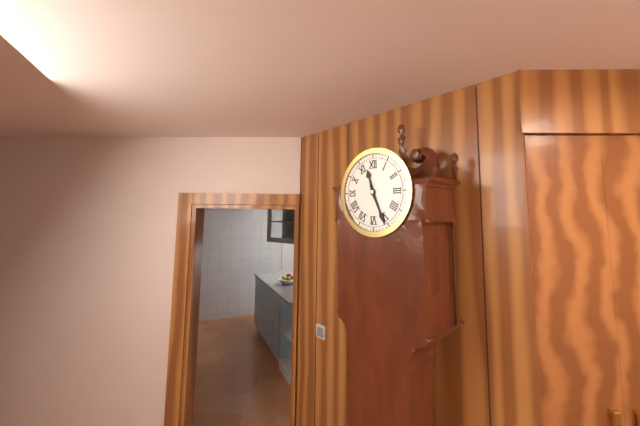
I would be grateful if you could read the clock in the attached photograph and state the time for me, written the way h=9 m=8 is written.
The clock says h=11 m=26
